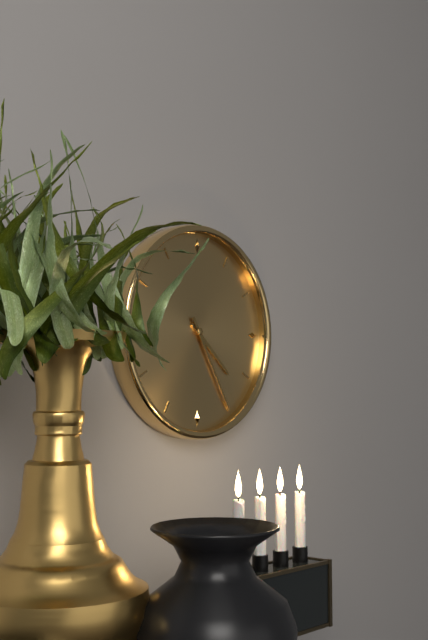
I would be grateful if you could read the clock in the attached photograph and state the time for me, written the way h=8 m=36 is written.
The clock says h=4 m=25
